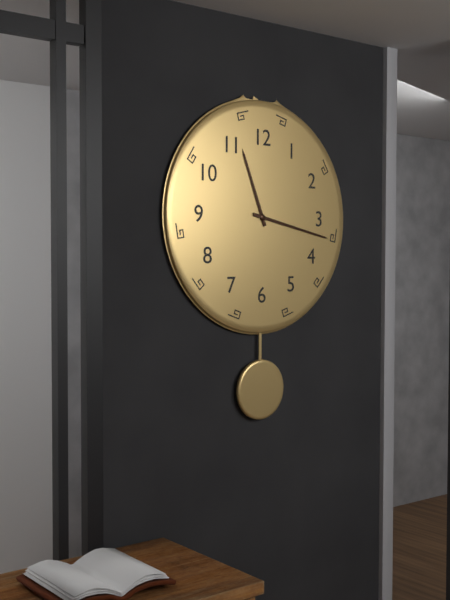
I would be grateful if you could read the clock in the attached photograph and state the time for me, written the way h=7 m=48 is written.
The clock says h=11 m=17
